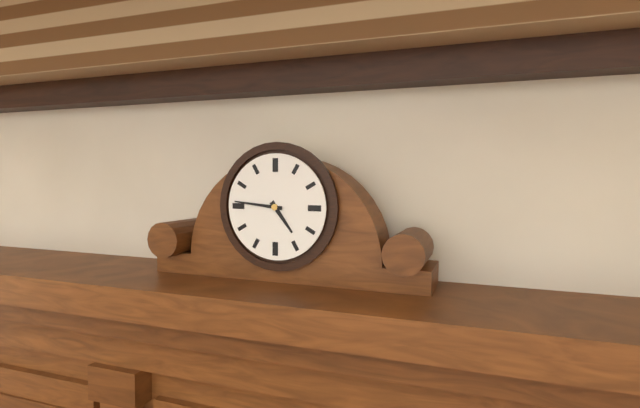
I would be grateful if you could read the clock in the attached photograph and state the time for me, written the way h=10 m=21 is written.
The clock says h=4 m=46
